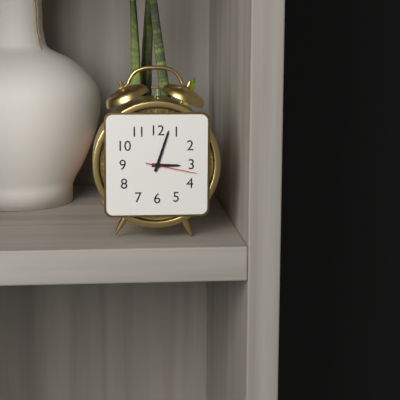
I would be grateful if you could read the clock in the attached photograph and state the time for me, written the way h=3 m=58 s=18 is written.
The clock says h=3 m=3 s=17
